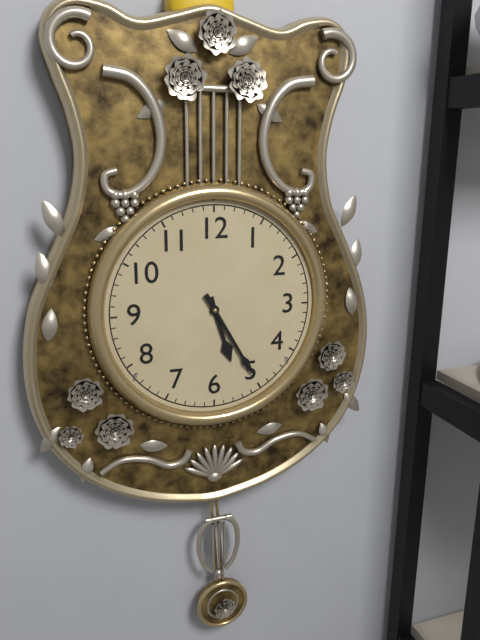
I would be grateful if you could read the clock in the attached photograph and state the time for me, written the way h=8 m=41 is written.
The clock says h=5 m=25
